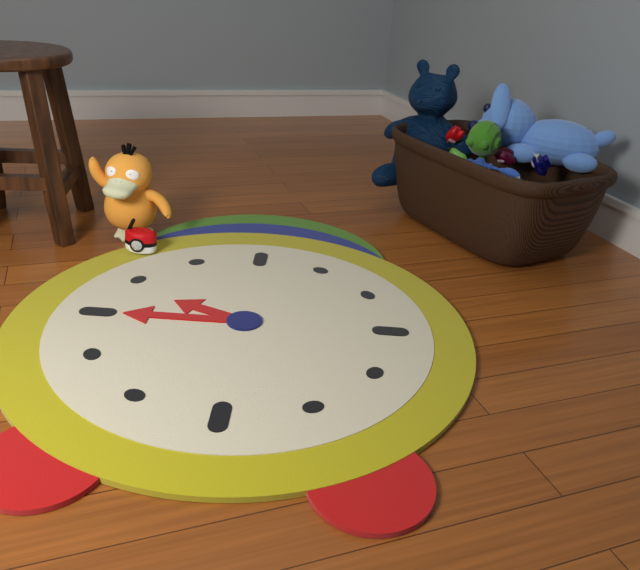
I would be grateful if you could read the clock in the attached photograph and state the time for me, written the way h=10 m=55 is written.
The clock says h=9 m=45
